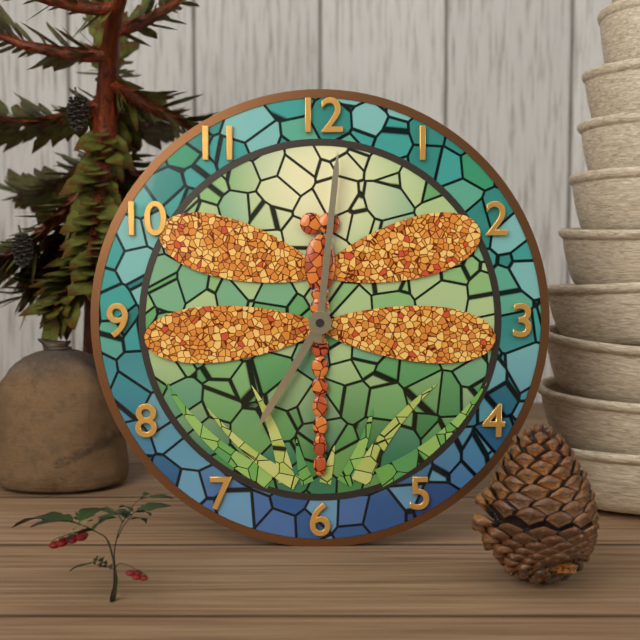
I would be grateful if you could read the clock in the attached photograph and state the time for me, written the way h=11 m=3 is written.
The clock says h=7 m=1
